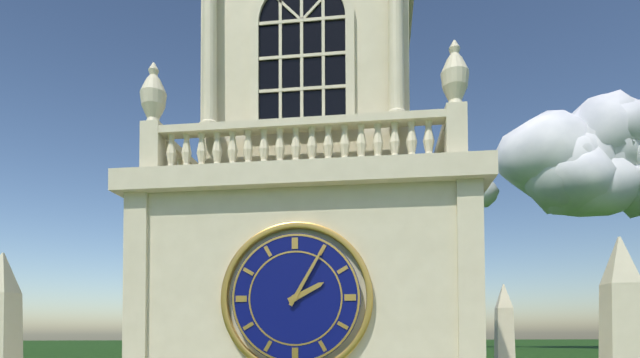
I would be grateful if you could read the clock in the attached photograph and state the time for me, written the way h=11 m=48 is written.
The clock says h=2 m=5
